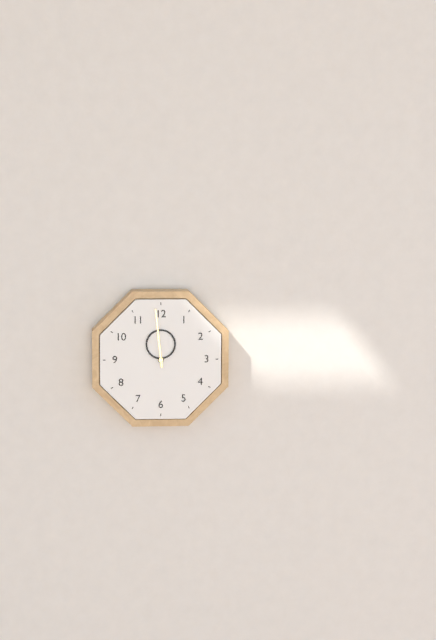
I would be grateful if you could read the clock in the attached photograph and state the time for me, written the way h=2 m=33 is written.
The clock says h=11 m=59
